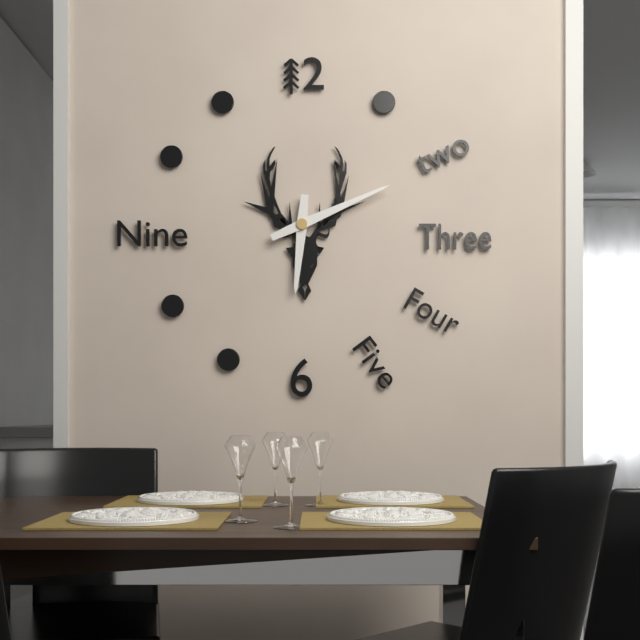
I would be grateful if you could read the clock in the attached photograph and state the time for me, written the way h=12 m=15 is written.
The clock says h=6 m=11
